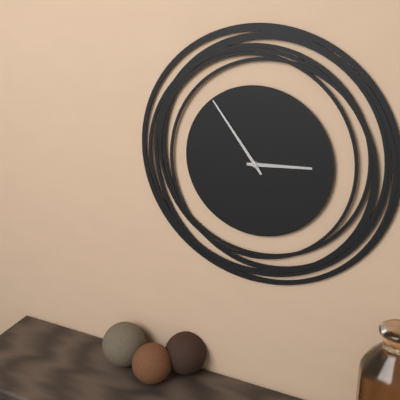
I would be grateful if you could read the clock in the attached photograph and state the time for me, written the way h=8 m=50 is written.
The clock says h=2 m=54
